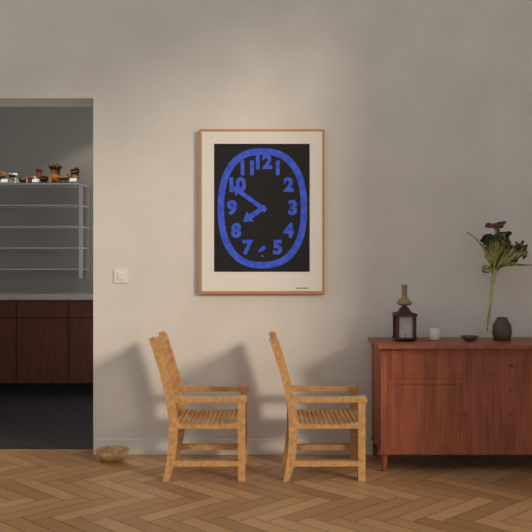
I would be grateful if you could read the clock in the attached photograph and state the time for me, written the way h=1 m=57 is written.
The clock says h=7 m=51
